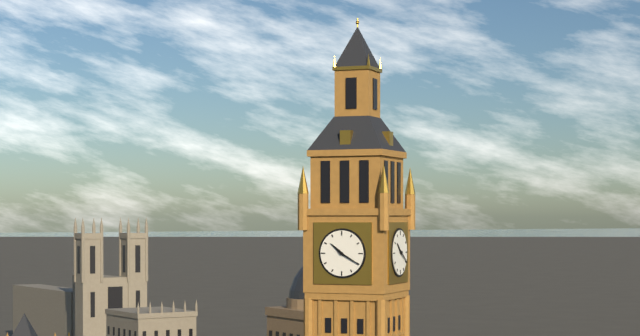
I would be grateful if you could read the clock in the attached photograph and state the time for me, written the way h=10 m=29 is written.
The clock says h=10 m=20
